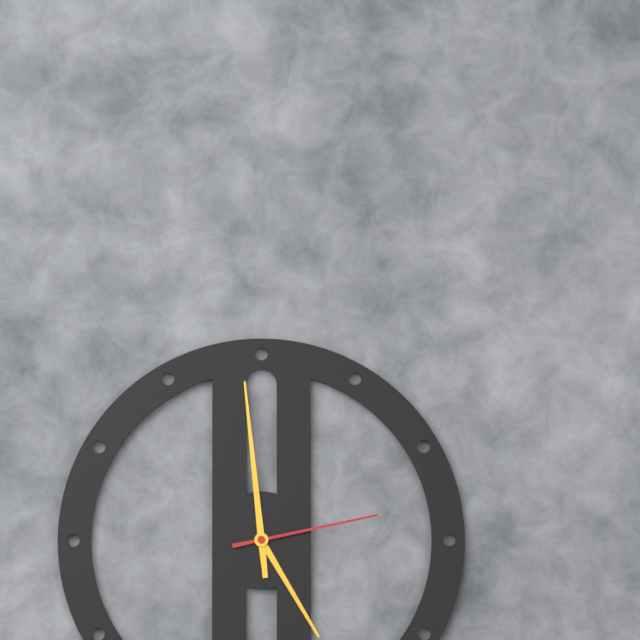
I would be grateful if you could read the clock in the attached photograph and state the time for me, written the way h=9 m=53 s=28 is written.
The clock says h=4 m=59 s=13
